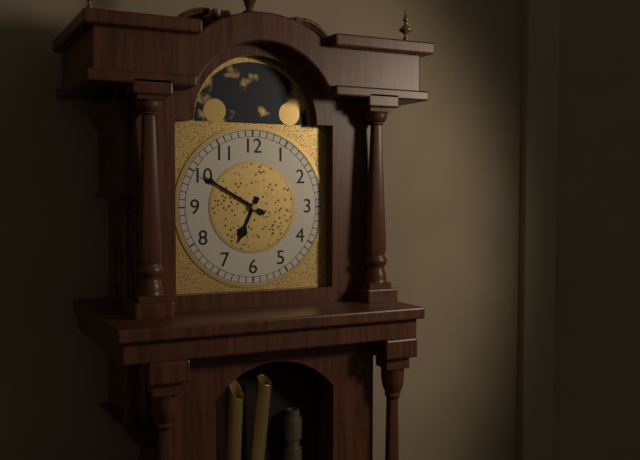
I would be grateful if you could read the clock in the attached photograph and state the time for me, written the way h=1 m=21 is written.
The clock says h=6 m=50
